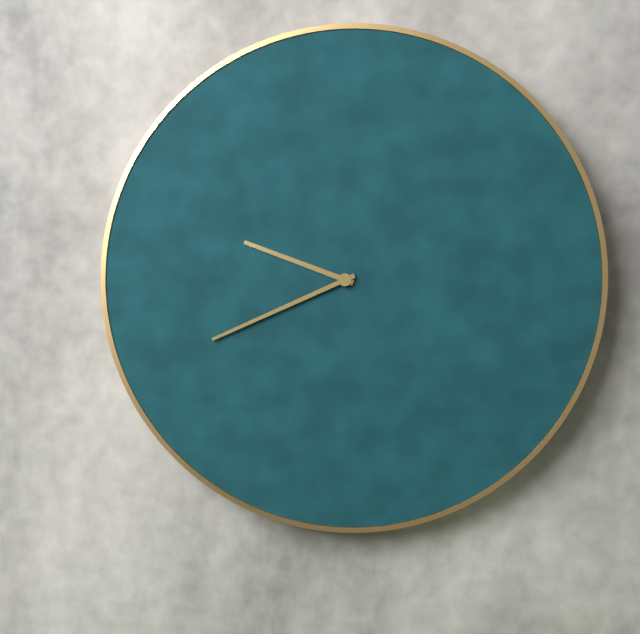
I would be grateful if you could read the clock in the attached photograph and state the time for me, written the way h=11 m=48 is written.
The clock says h=9 m=41
